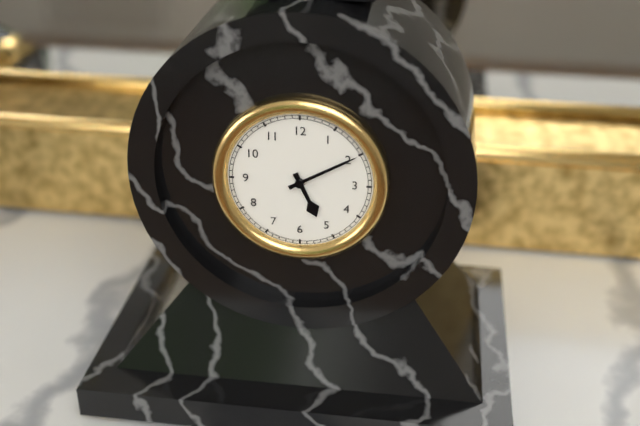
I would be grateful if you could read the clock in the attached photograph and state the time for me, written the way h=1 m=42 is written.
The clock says h=5 m=10
